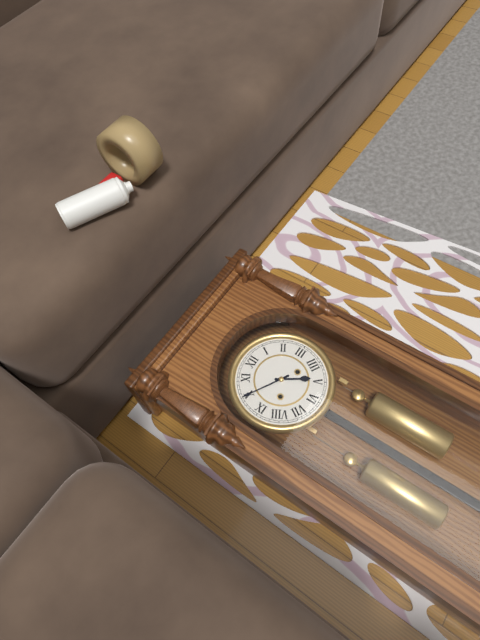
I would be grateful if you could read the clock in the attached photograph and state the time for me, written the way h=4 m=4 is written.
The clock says h=4 m=50
